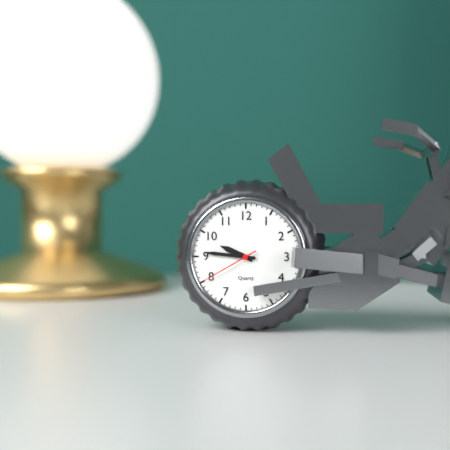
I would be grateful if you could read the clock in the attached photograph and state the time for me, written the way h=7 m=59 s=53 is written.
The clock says h=9 m=46 s=40
